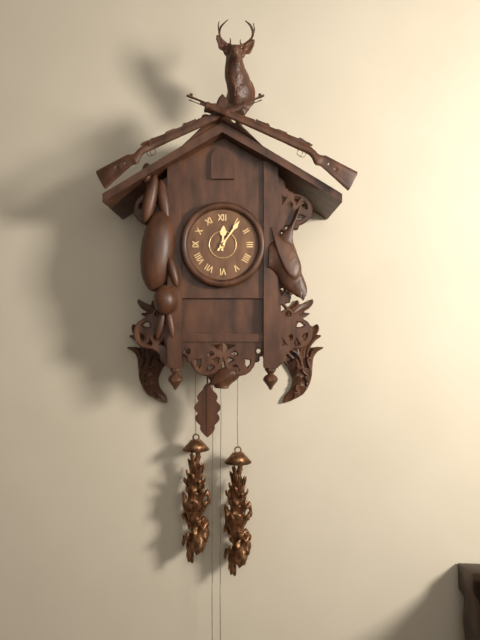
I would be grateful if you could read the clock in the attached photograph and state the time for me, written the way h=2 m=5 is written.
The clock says h=12 m=6
